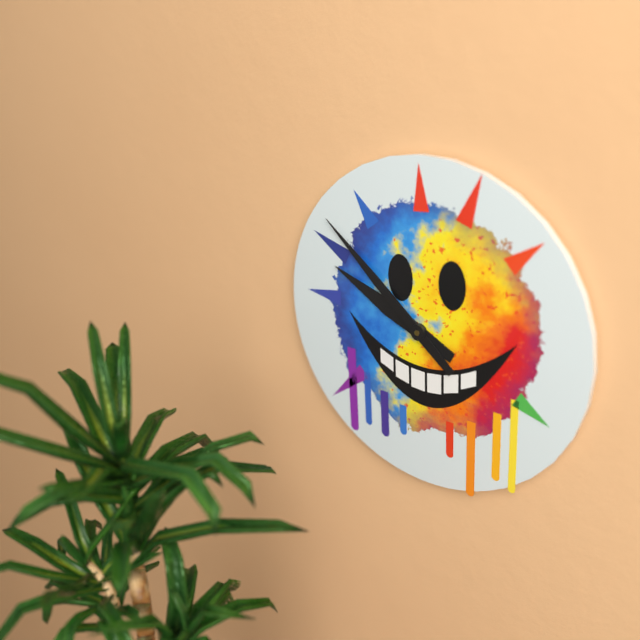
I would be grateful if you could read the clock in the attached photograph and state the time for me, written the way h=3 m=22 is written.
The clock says h=9 m=52
